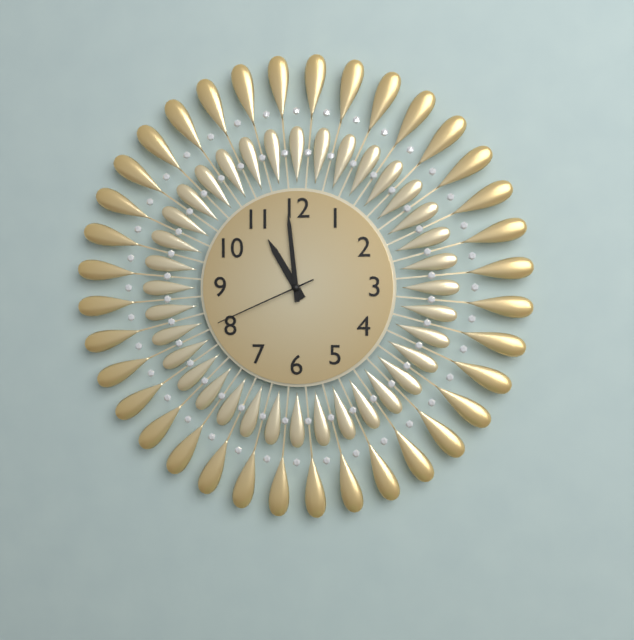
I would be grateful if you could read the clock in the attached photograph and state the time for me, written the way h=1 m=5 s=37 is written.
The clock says h=10 m=59 s=41
